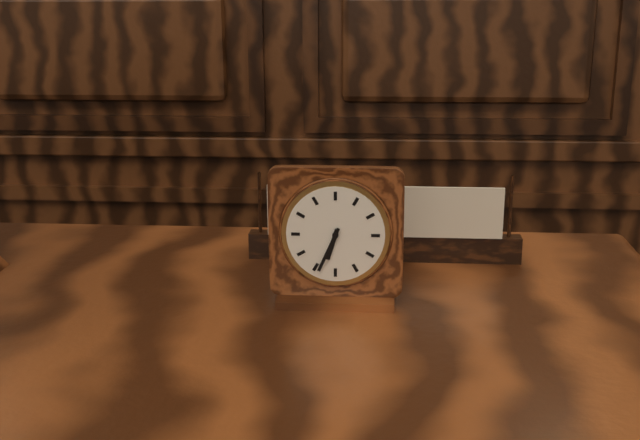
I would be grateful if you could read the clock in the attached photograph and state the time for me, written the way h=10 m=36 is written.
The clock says h=6 m=34
